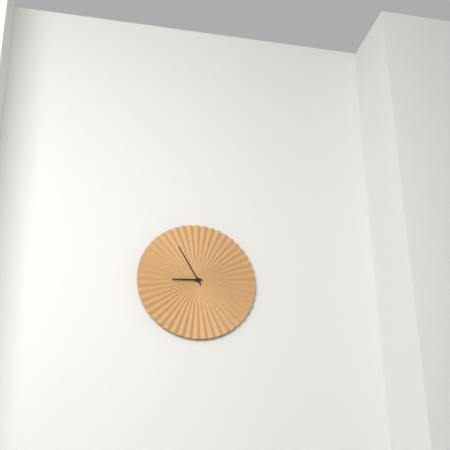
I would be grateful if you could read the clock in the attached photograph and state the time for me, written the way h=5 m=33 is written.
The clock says h=8 m=55
